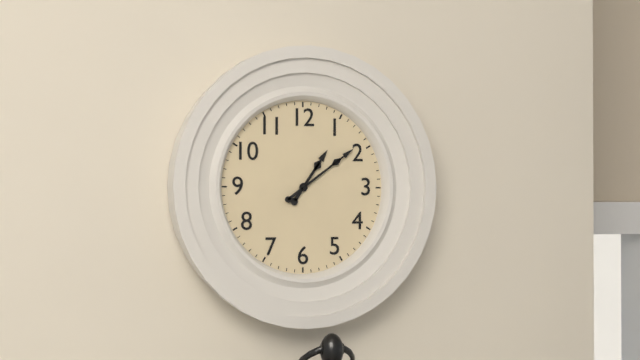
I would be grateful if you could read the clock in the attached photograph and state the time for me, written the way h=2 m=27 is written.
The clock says h=1 m=9
